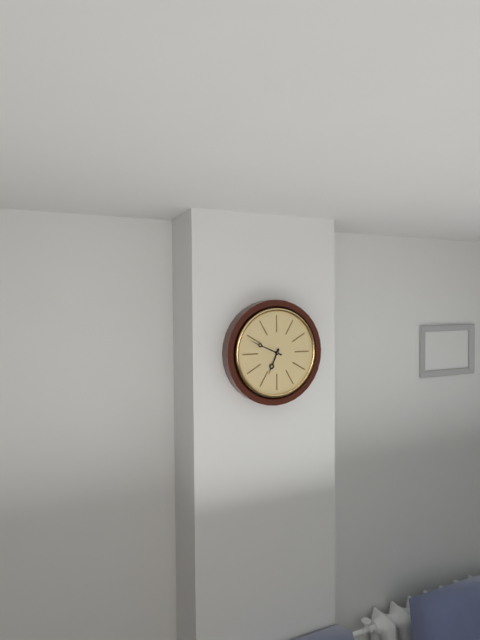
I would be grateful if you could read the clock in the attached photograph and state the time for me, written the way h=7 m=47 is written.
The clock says h=6 m=49
